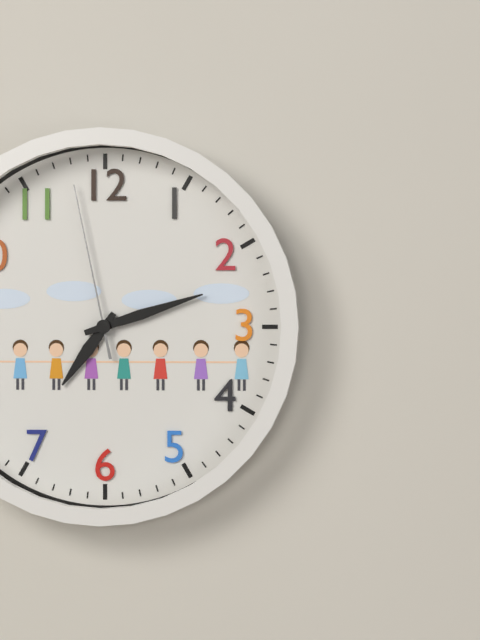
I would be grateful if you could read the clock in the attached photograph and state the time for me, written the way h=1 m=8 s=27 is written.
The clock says h=7 m=12 s=58
